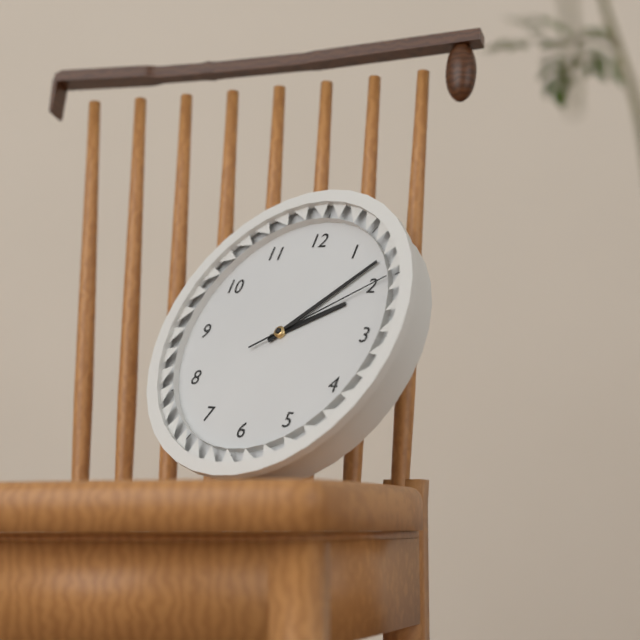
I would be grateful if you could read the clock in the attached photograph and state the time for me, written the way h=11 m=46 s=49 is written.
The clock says h=2 m=8 s=10
